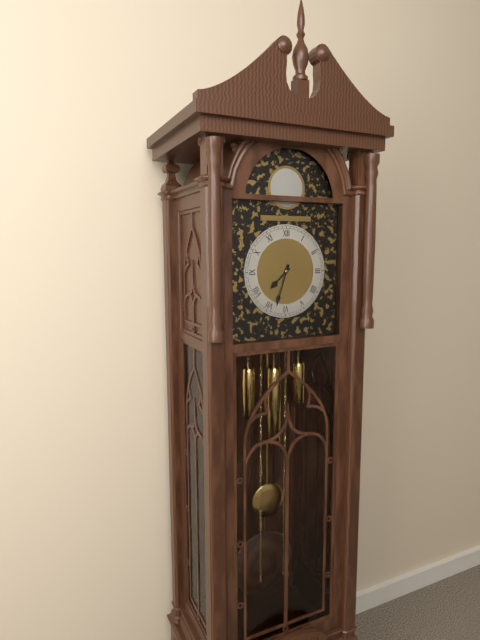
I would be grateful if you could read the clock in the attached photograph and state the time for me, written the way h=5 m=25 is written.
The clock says h=7 m=33
